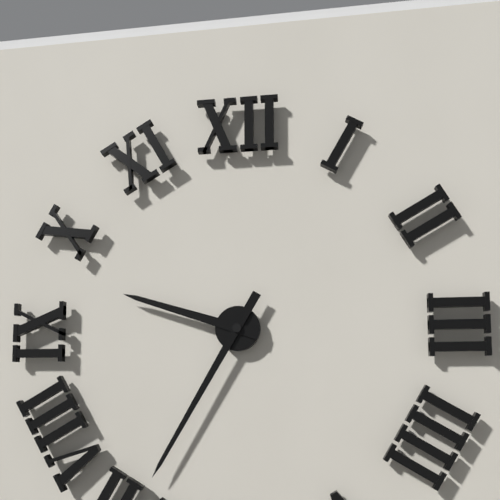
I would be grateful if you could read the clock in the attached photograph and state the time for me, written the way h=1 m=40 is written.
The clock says h=9 m=35
